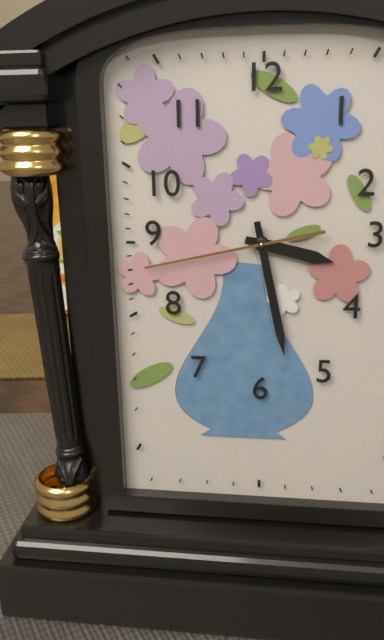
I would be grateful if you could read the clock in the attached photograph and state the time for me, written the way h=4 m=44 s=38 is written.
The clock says h=3 m=28 s=43
